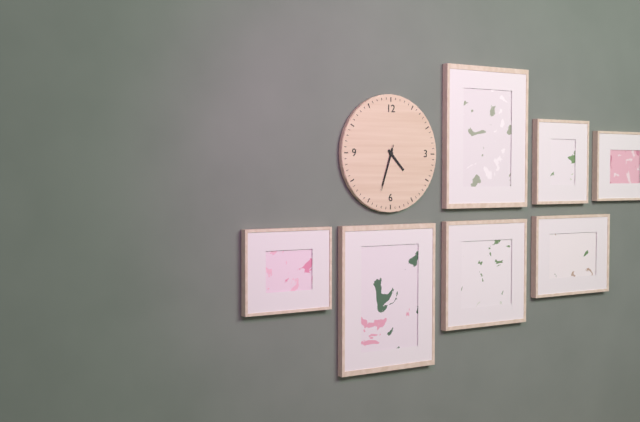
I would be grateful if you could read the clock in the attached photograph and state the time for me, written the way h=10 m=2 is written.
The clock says h=4 m=33
